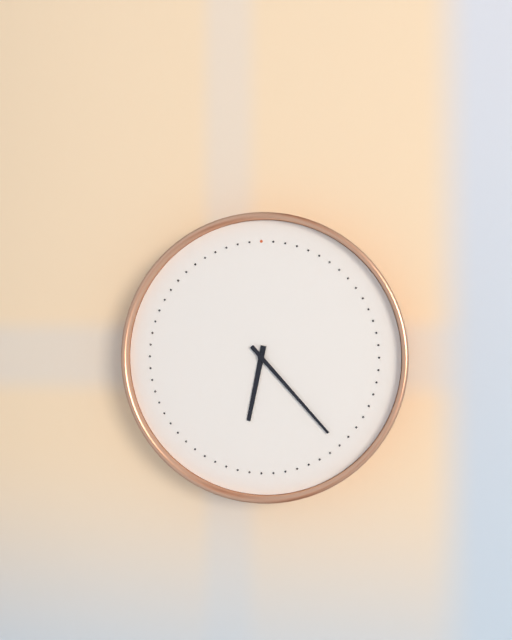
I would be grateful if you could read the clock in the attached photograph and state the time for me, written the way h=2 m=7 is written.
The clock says h=6 m=23
